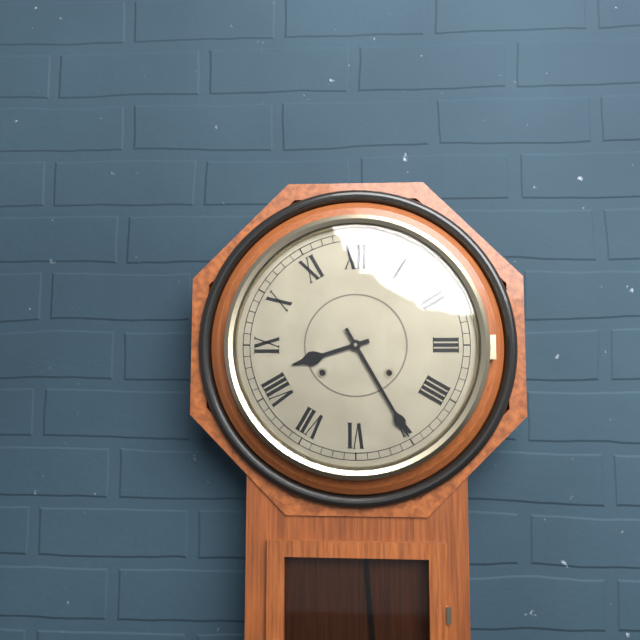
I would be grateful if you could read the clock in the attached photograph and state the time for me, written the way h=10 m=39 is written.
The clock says h=8 m=25
